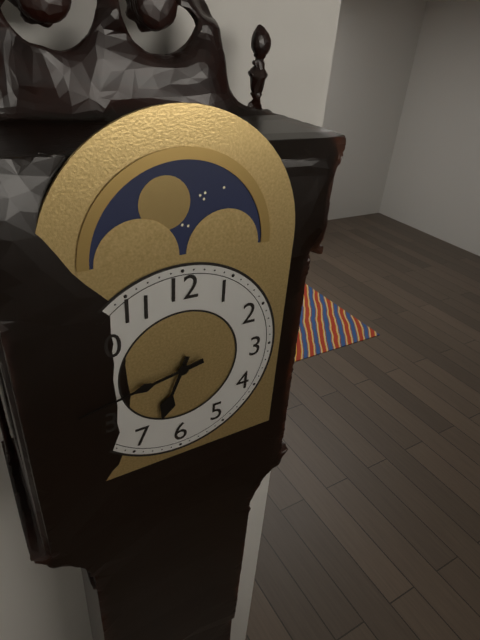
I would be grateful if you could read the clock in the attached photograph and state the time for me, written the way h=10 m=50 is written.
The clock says h=6 m=43
